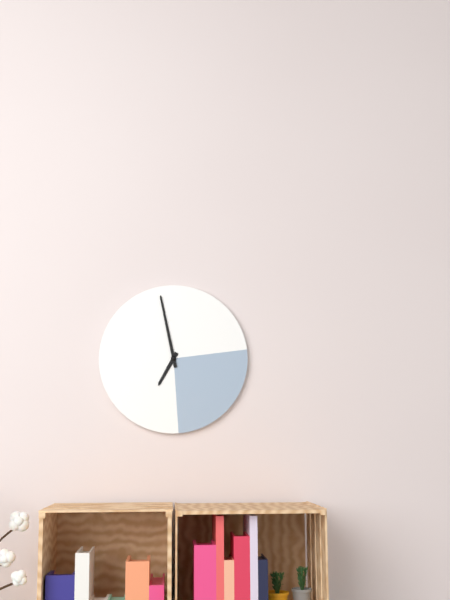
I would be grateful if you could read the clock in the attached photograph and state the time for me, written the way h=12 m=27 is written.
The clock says h=6 m=58
